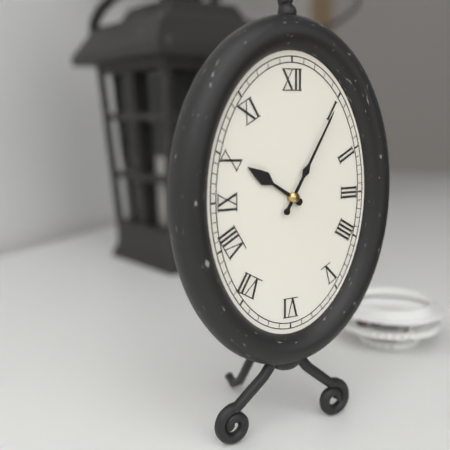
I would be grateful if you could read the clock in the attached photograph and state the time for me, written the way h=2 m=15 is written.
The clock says h=10 m=5
